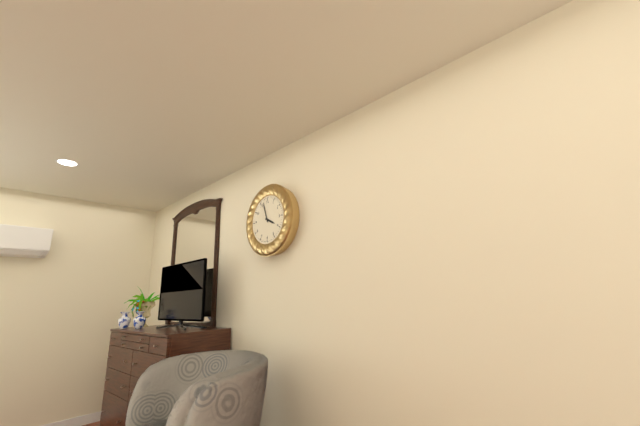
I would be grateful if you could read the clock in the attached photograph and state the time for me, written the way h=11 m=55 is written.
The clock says h=3 m=57
